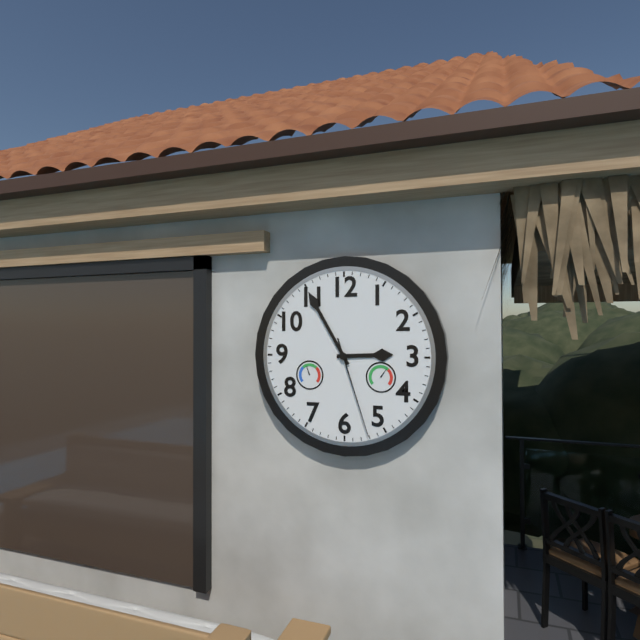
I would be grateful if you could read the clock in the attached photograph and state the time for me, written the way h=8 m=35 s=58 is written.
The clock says h=2 m=55 s=27
